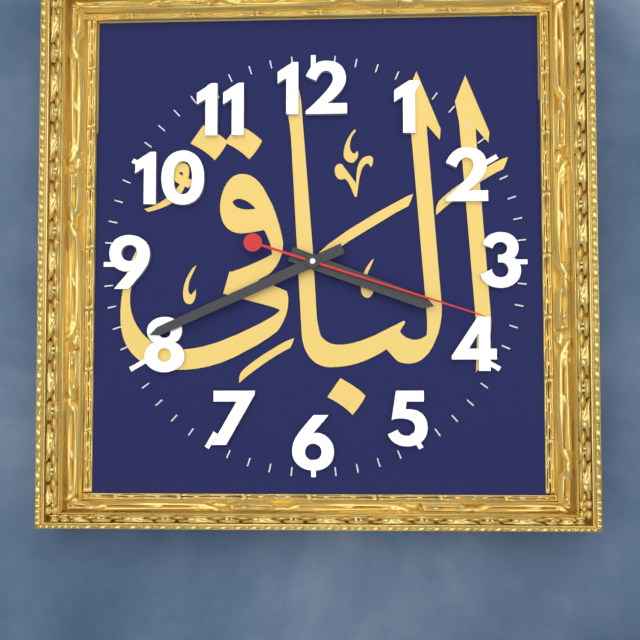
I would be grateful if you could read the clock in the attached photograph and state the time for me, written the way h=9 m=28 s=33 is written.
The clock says h=3 m=41 s=18
